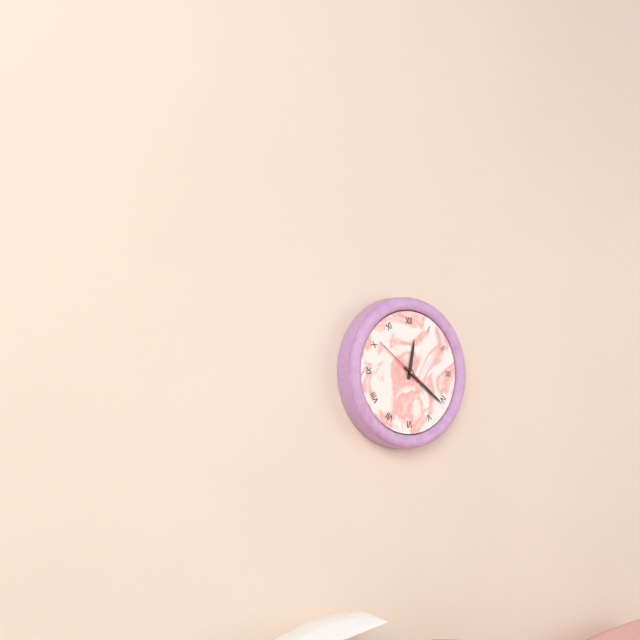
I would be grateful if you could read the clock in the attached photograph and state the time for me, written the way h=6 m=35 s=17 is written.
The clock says h=12 m=21 s=51
